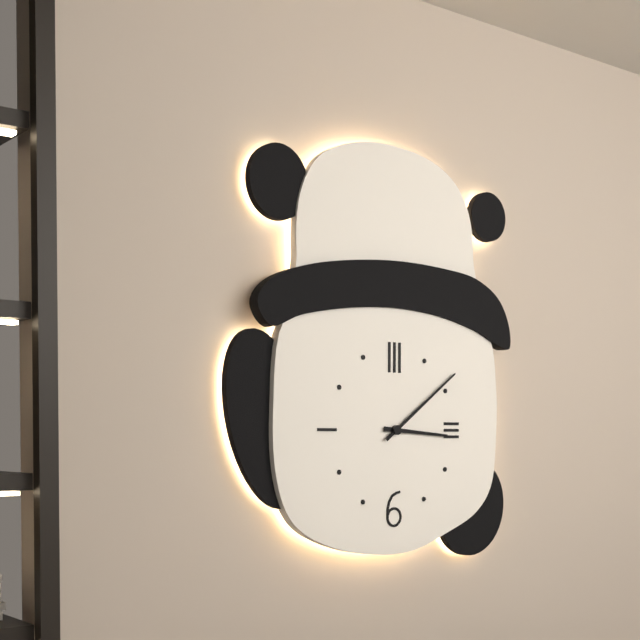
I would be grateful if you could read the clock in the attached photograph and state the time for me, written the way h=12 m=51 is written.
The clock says h=3 m=9
